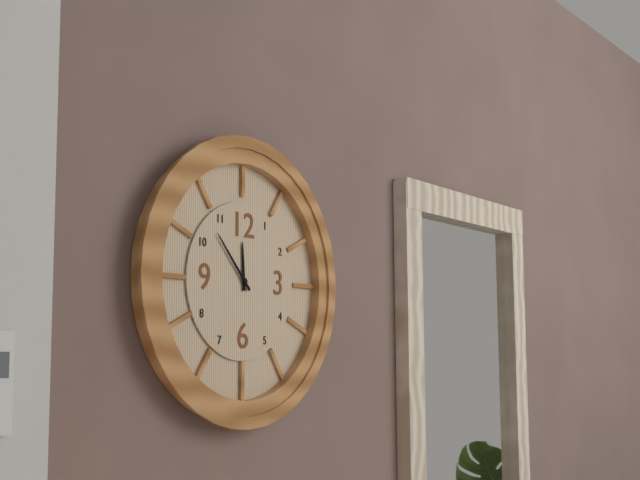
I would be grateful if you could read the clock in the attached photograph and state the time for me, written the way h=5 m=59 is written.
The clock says h=11 m=53
